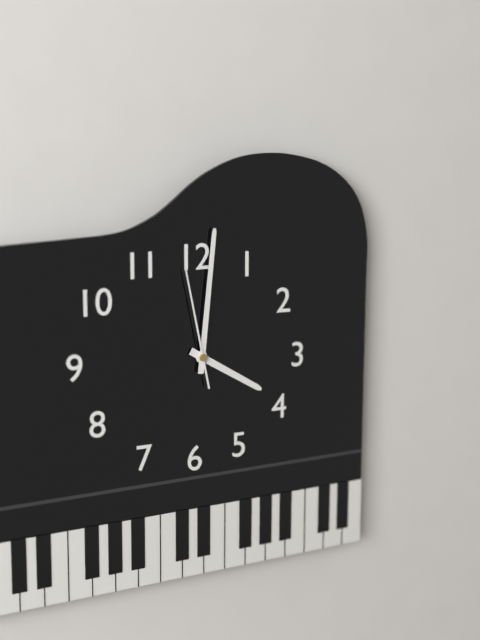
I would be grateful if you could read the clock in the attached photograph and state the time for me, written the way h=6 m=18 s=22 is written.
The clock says h=4 m=1 s=58
